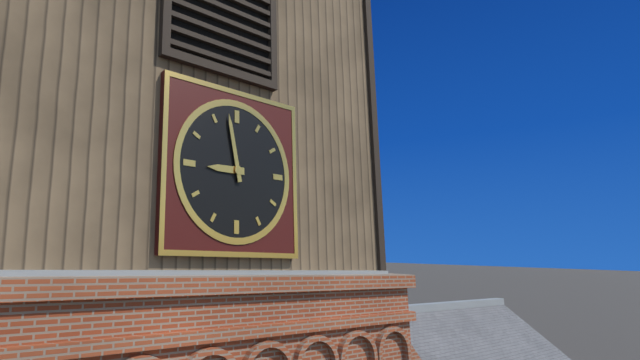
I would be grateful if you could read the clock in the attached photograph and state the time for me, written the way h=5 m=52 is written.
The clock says h=8 m=58
